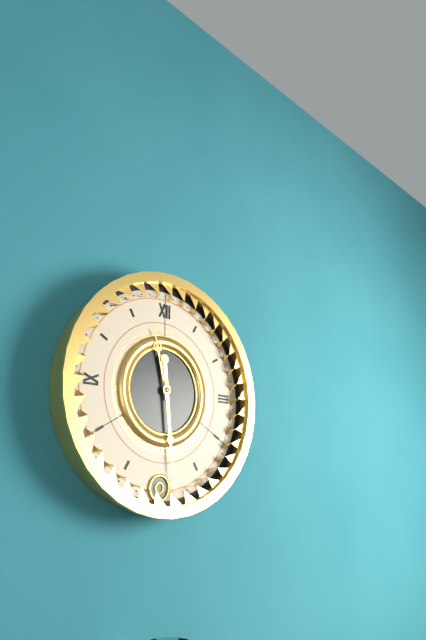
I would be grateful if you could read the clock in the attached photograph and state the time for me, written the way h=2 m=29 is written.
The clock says h=11 m=29
